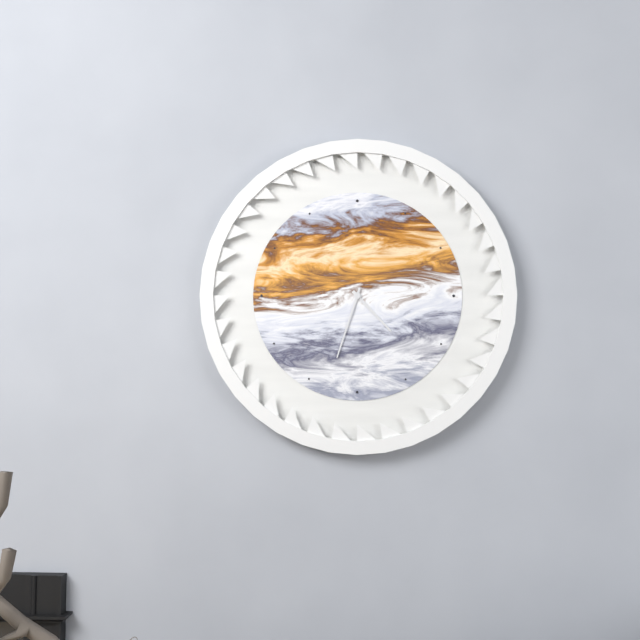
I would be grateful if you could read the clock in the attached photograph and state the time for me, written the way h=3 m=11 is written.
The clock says h=4 m=33
